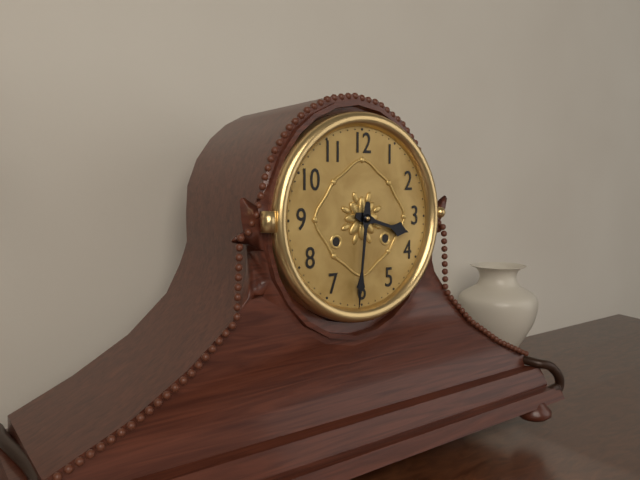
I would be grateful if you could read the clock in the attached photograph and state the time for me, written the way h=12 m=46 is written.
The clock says h=3 m=31
